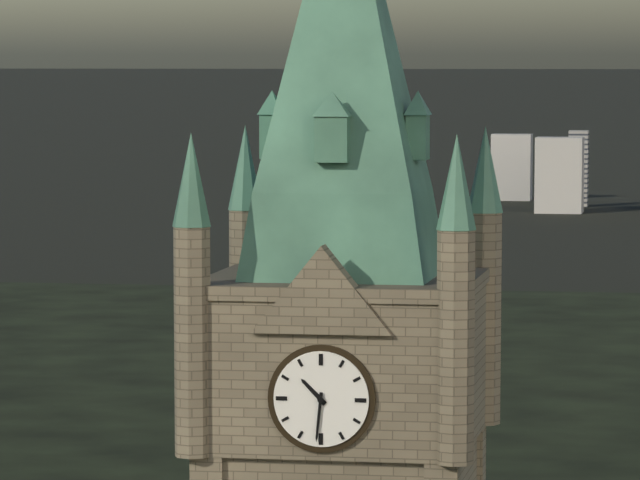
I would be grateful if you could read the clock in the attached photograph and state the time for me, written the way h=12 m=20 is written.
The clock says h=10 m=31
